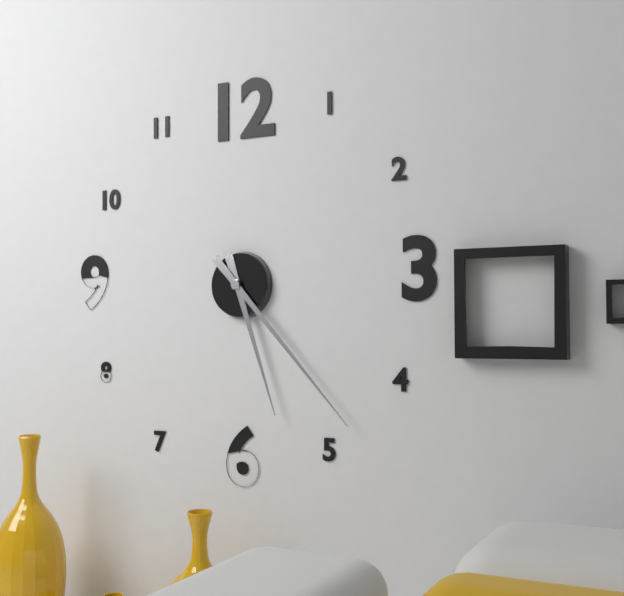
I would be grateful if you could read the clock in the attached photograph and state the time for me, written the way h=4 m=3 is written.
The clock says h=5 m=23
